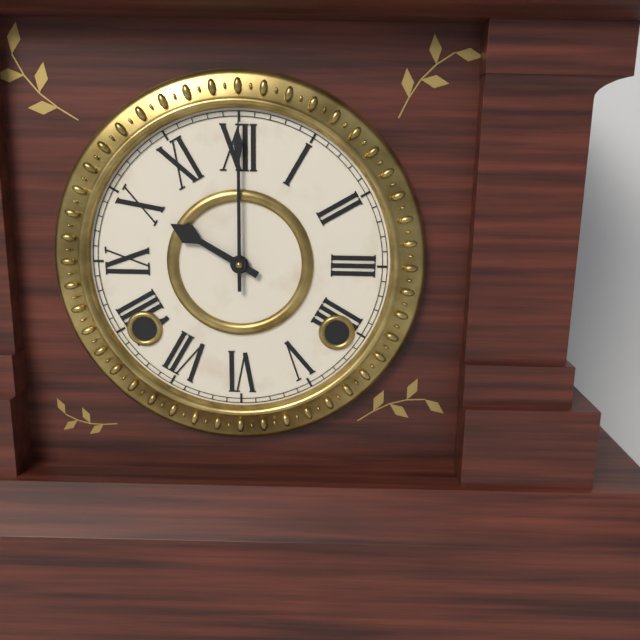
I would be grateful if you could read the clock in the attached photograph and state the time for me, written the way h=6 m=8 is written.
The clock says h=10 m=0
